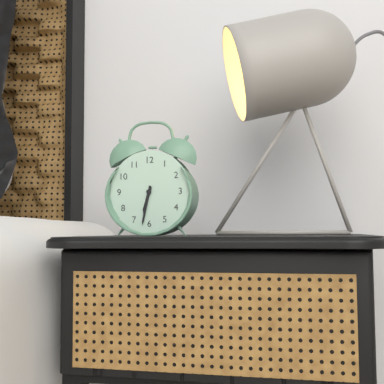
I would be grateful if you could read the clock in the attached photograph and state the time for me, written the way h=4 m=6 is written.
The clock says h=6 m=32
